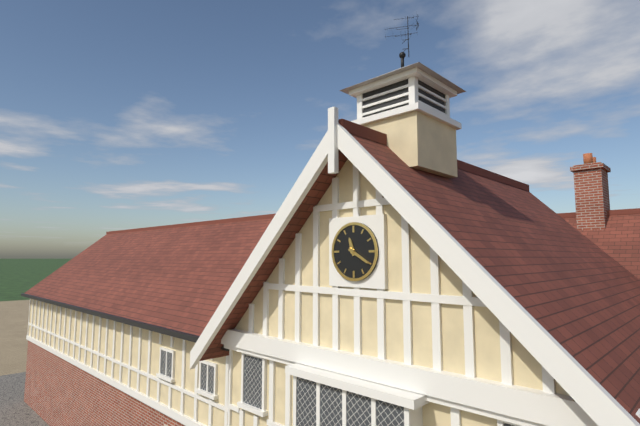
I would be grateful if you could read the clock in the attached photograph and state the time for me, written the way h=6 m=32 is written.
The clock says h=11 m=20
